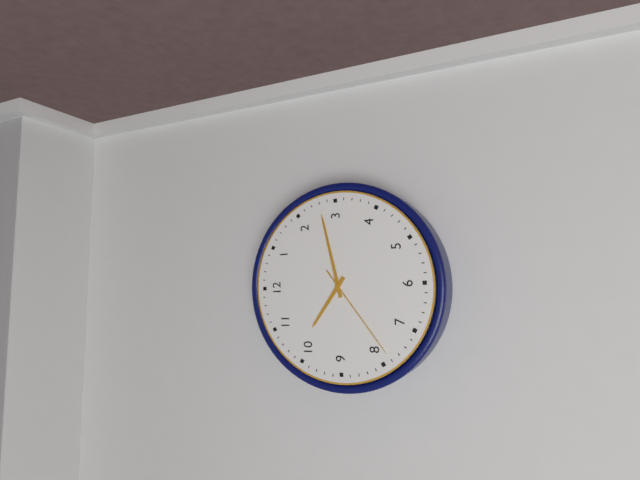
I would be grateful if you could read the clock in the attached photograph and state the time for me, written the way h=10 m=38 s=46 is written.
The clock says h=10 m=13 s=39
